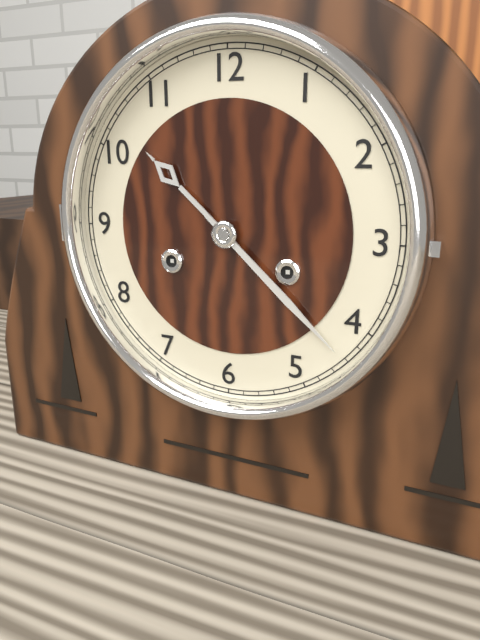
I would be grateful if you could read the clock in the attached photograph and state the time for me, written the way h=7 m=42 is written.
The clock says h=10 m=22
